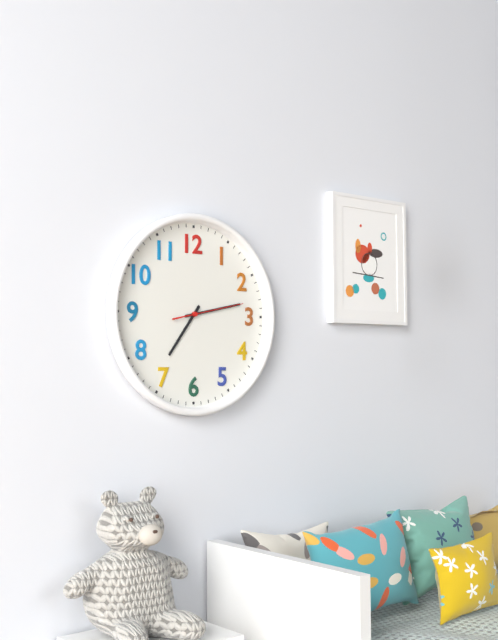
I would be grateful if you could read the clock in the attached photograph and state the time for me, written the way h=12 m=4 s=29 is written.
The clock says h=7 m=13 s=13
